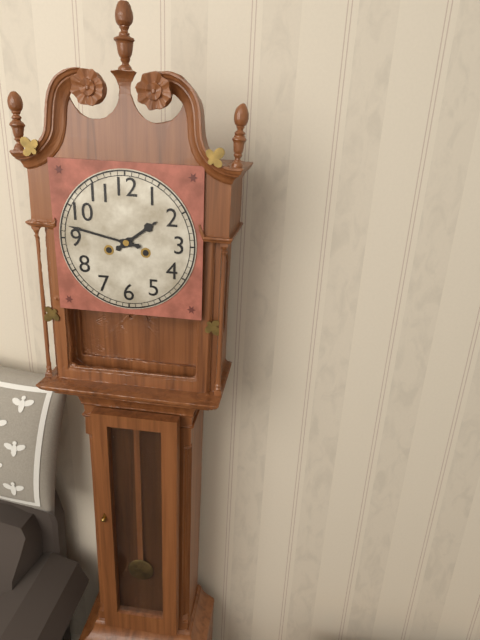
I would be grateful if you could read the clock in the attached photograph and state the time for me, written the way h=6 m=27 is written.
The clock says h=1 m=47
